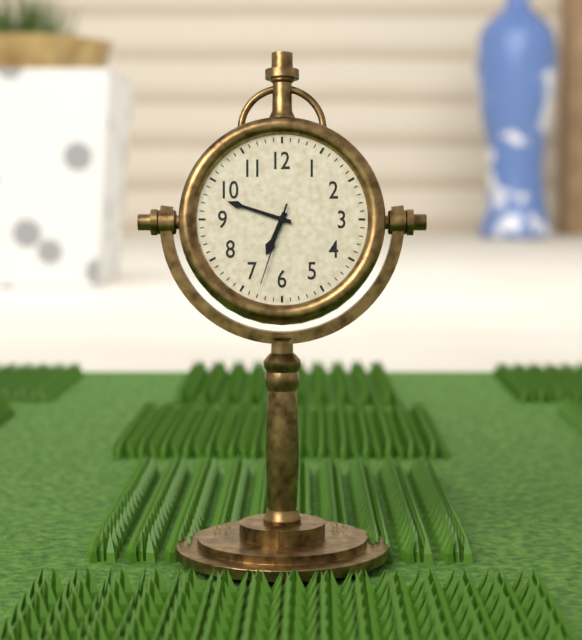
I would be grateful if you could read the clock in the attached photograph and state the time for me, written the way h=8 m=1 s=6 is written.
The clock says h=6 m=48 s=33
